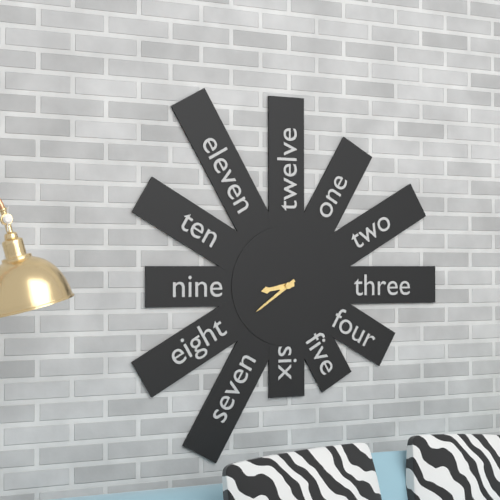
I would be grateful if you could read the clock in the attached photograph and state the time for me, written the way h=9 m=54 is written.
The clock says h=8 m=39
